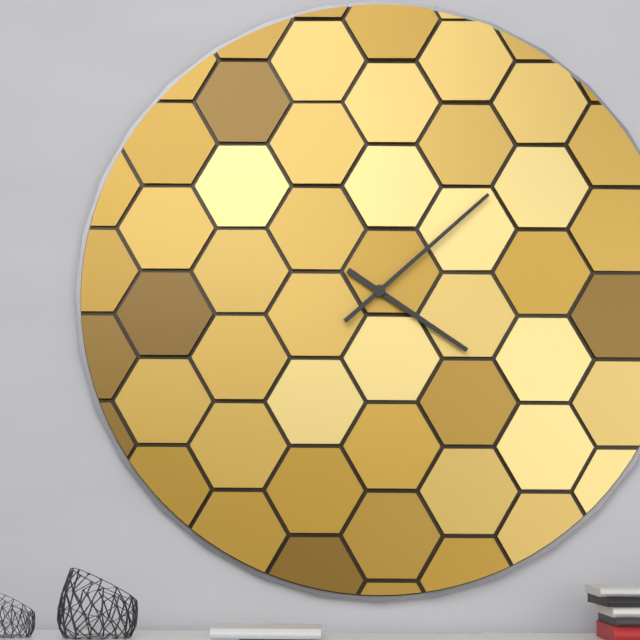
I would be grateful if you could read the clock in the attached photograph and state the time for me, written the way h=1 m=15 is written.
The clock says h=4 m=8
